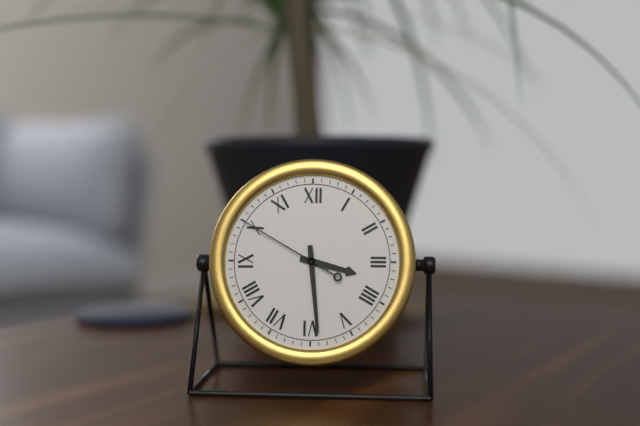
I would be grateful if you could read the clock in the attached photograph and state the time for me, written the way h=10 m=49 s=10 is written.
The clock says h=3 m=29 s=50
